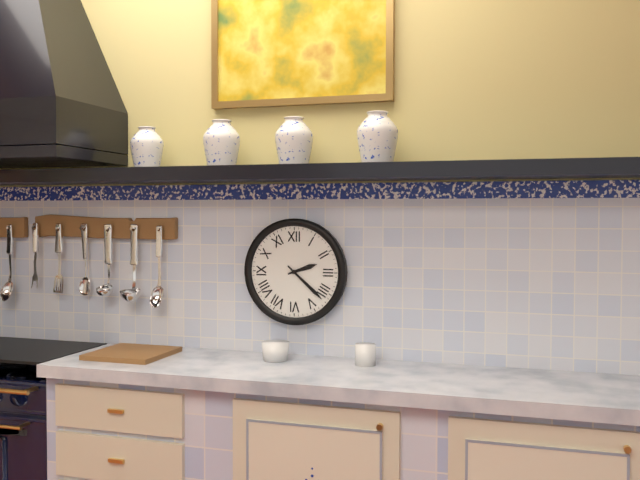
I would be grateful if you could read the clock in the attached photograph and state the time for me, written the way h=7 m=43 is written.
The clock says h=2 m=22
